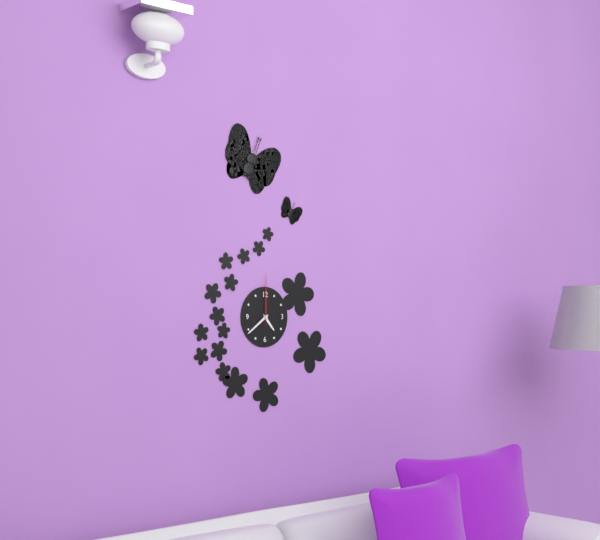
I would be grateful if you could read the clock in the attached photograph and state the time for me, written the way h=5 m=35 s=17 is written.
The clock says h=4 m=39 s=0
